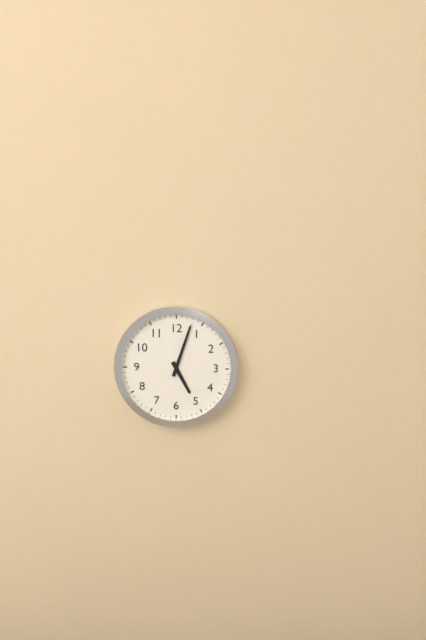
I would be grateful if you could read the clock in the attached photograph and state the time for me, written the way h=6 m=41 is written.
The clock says h=5 m=3
